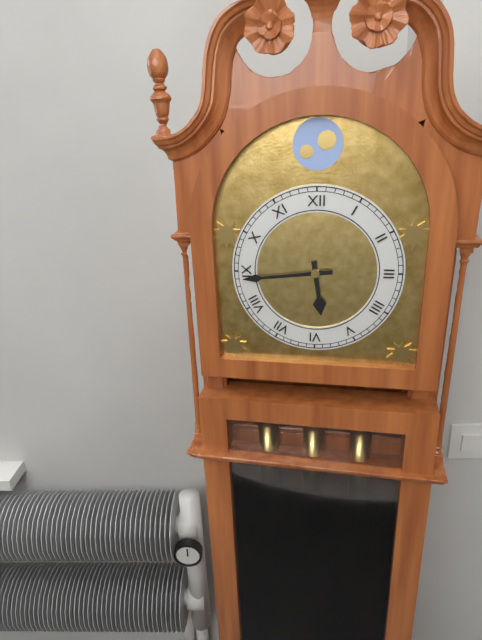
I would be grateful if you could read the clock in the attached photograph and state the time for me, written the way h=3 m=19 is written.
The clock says h=5 m=44
